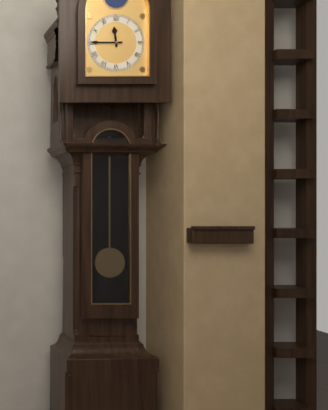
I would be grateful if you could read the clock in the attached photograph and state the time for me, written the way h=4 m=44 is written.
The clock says h=11 m=45
